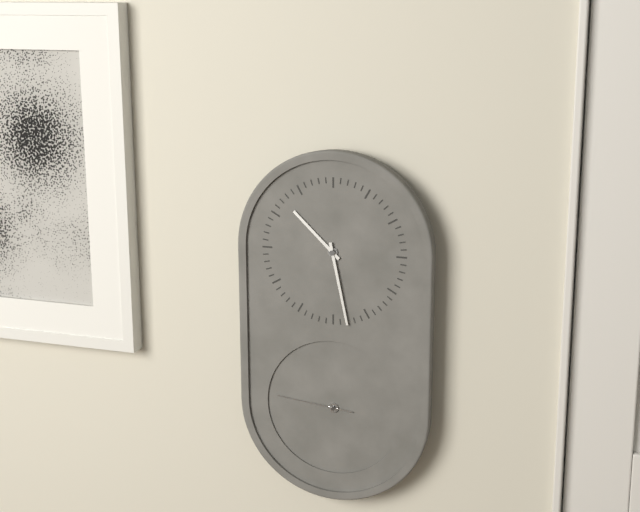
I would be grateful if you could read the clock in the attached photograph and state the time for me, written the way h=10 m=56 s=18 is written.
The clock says h=10 m=28 s=46
